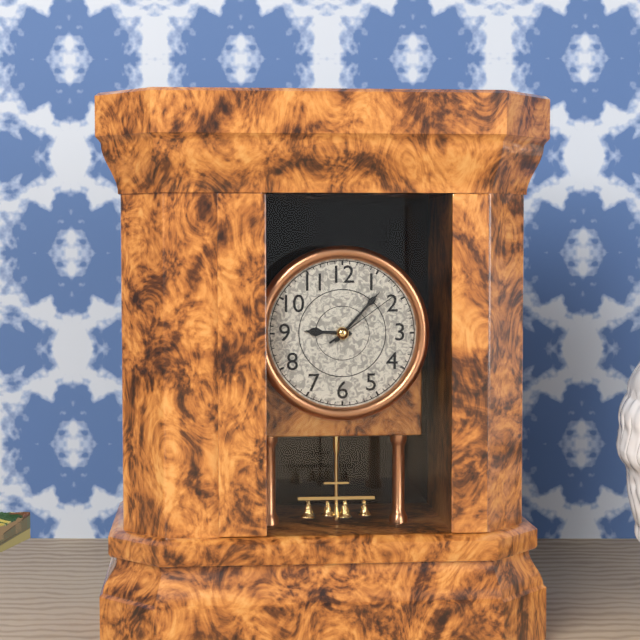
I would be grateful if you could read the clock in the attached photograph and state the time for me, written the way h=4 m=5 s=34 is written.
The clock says h=9 m=7 s=9
